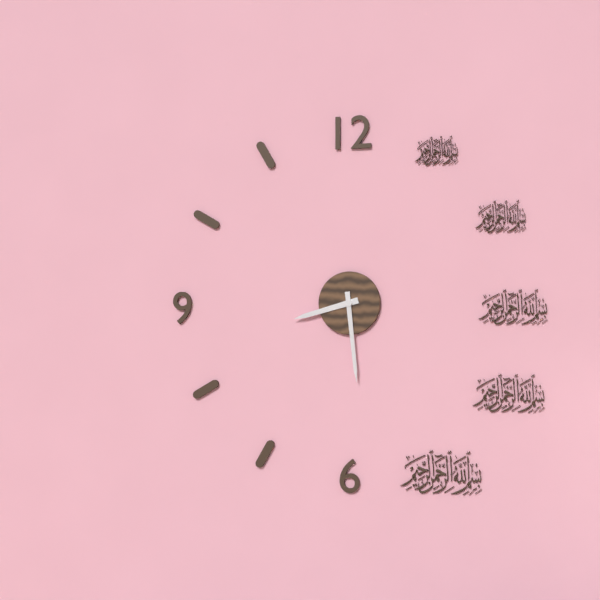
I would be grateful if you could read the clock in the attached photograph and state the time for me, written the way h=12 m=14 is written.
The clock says h=8 m=29
